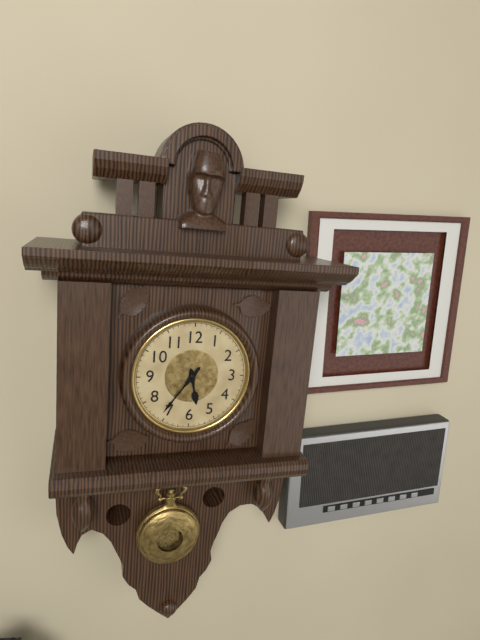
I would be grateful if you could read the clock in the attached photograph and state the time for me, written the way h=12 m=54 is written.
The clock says h=5 m=36
